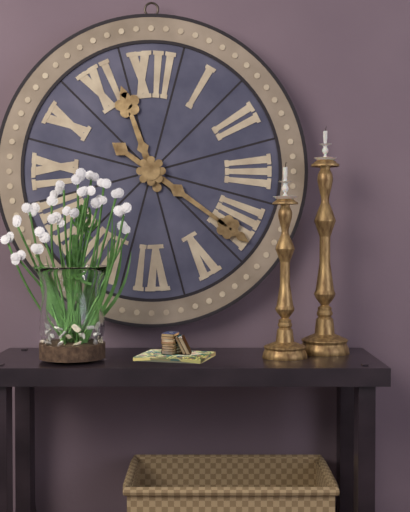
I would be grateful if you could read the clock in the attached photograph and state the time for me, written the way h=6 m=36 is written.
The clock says h=11 m=21
